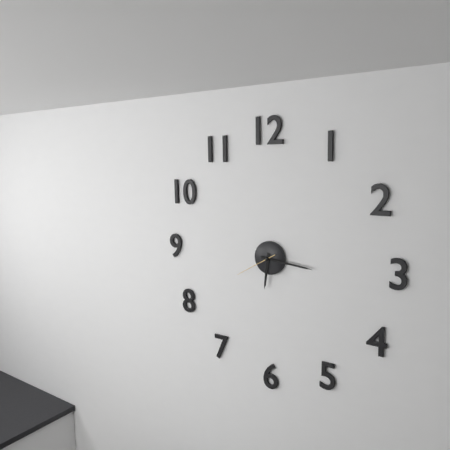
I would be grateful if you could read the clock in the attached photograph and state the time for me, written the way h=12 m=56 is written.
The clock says h=6 m=16
